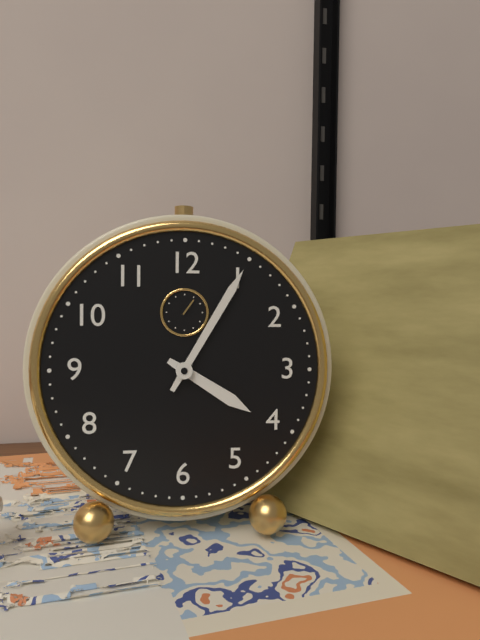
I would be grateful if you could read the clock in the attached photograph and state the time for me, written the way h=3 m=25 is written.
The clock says h=4 m=5
